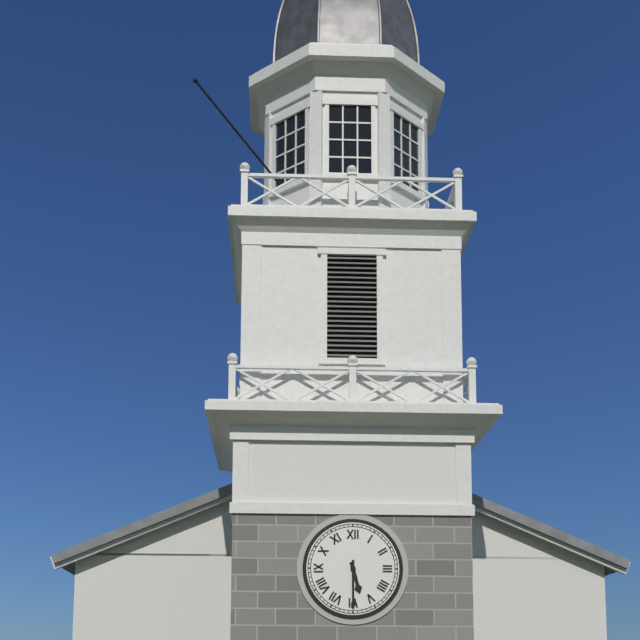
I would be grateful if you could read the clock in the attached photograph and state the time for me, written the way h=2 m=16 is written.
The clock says h=5 m=30
